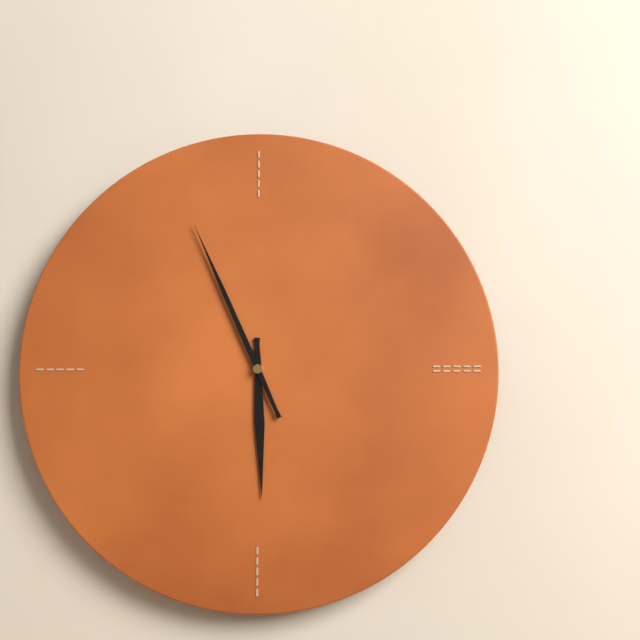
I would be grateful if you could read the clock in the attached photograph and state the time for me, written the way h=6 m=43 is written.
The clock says h=5 m=56
